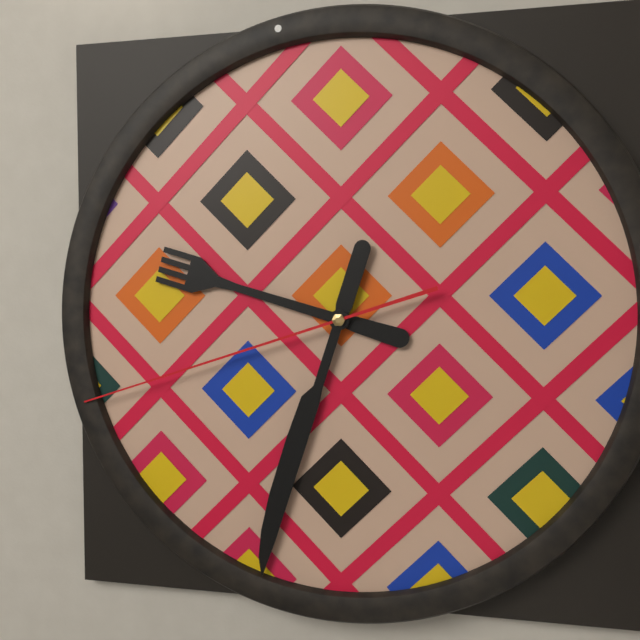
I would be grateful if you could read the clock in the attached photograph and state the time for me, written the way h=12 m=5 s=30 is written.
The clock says h=9 m=33 s=42
